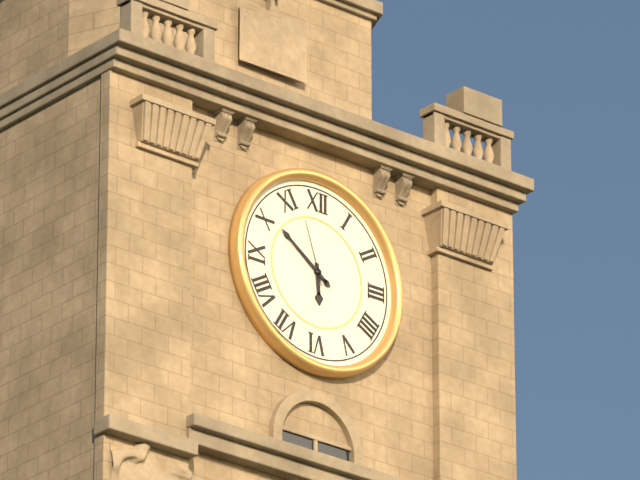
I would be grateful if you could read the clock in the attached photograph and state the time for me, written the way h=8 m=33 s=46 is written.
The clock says h=5 m=51 s=57
